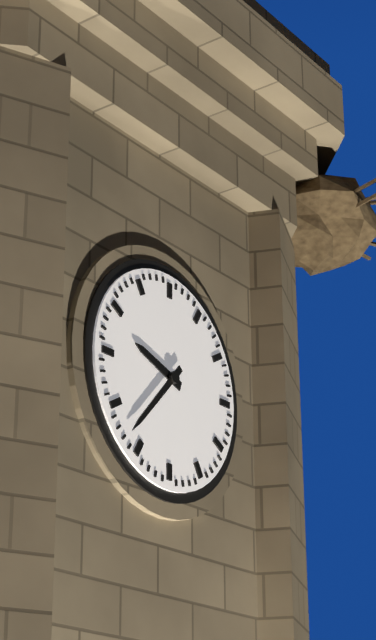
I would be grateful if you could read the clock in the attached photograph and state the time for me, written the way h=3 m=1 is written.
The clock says h=9 m=37
